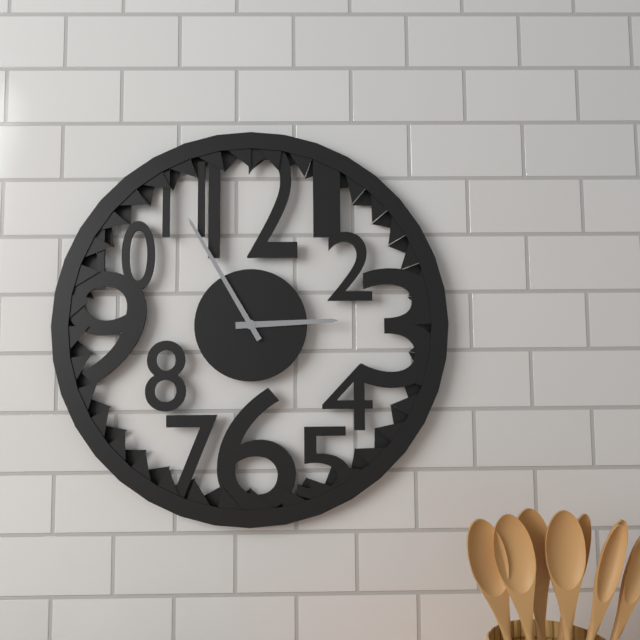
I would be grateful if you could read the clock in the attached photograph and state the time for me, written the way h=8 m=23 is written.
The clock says h=2 m=55
